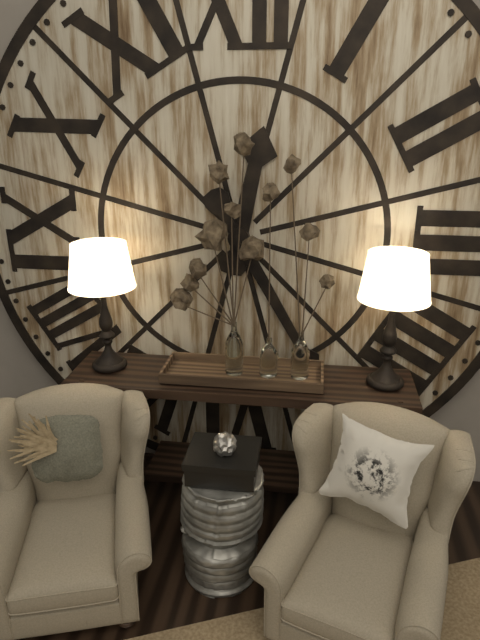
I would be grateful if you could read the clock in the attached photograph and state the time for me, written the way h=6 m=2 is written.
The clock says h=12 m=25
